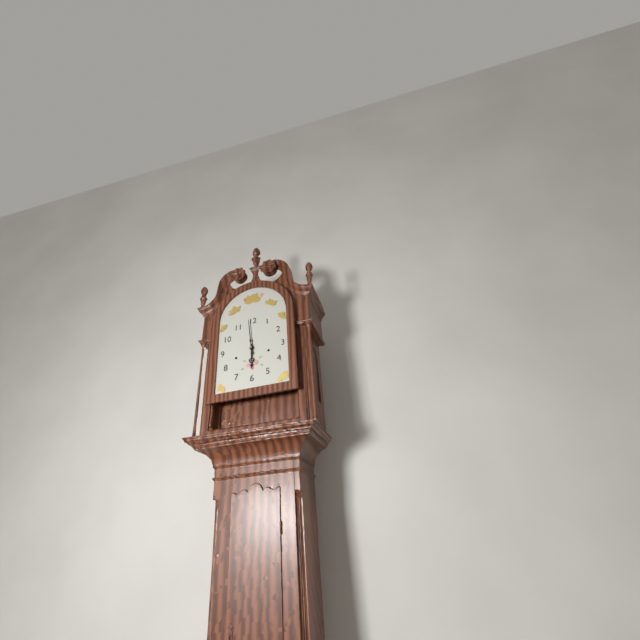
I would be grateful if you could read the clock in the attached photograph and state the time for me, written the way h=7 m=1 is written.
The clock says h=5 m=59
